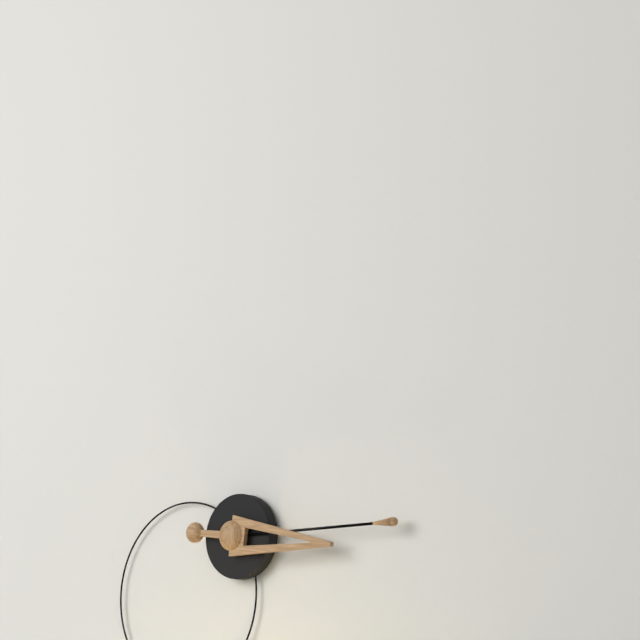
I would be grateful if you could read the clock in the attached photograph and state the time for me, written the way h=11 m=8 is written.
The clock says h=3 m=15
